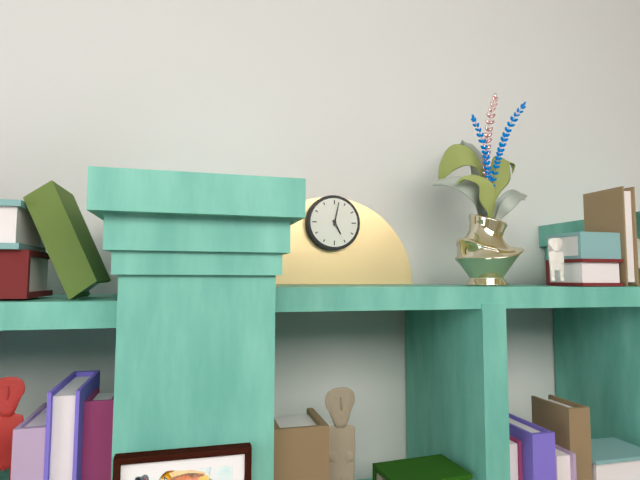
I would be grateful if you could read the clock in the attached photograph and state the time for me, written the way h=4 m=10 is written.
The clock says h=5 m=2
